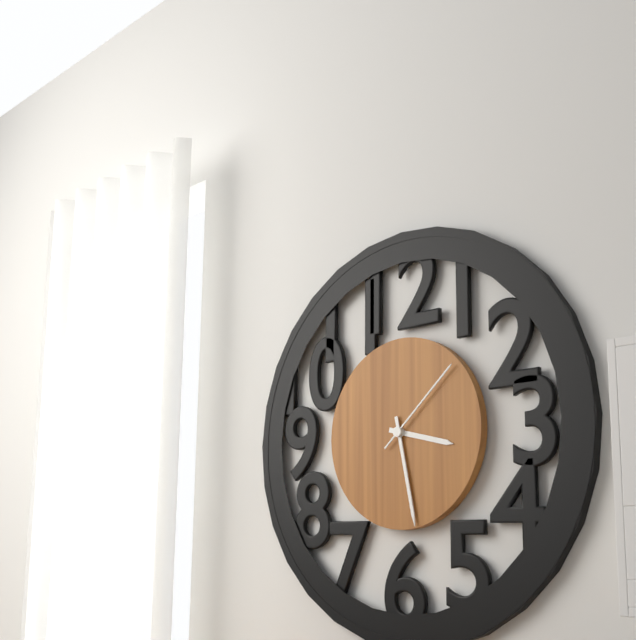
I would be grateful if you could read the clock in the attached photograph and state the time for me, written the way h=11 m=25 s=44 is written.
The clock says h=3 m=28 s=8
